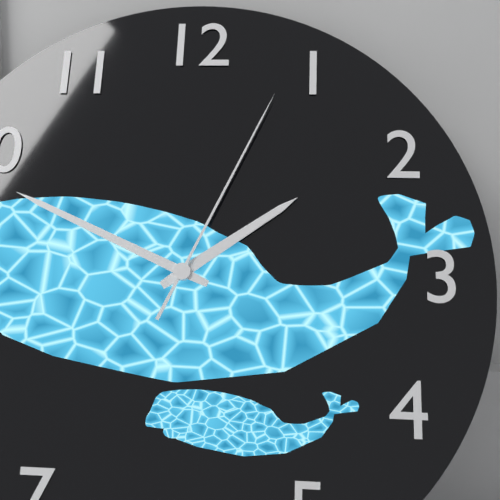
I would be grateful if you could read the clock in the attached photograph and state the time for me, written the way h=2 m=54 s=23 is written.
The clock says h=1 m=49 s=4
